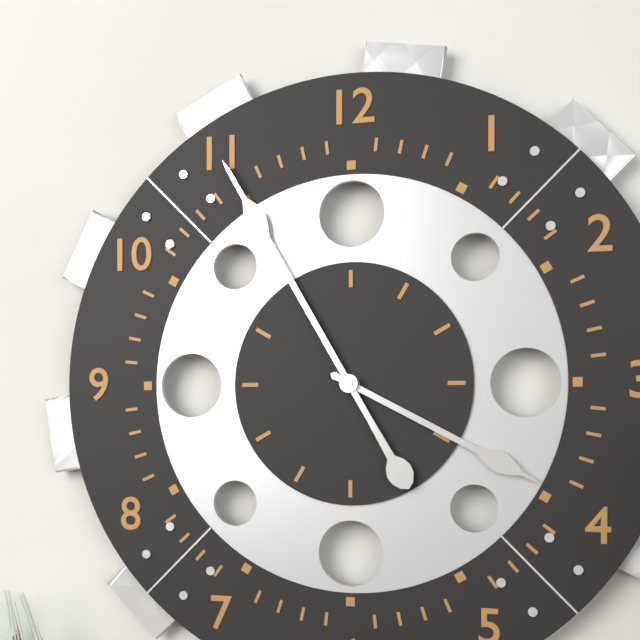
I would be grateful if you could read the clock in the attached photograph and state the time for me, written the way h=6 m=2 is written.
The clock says h=3 m=55
